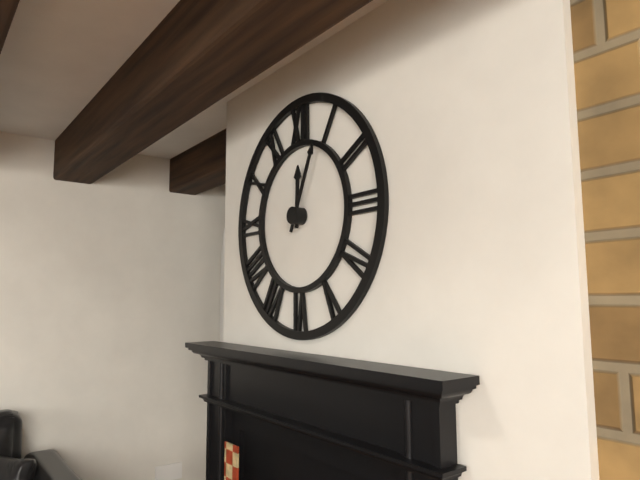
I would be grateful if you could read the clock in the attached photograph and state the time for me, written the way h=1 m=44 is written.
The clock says h=12 m=4
